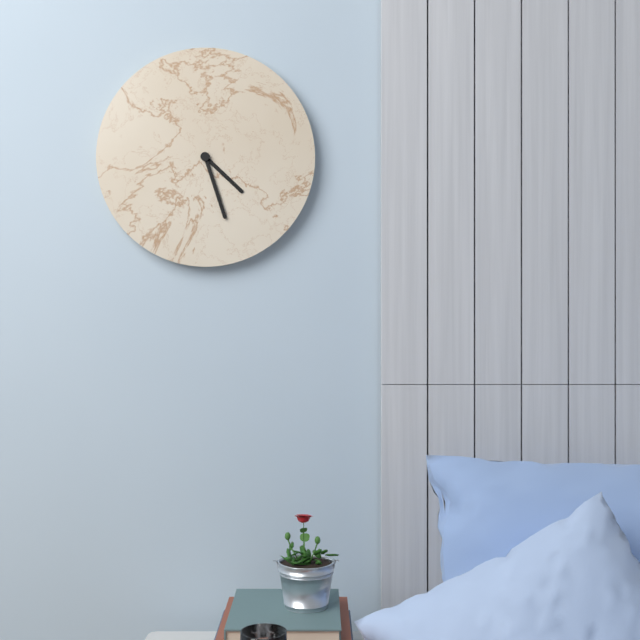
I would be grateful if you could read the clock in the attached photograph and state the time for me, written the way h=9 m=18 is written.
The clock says h=4 m=27
